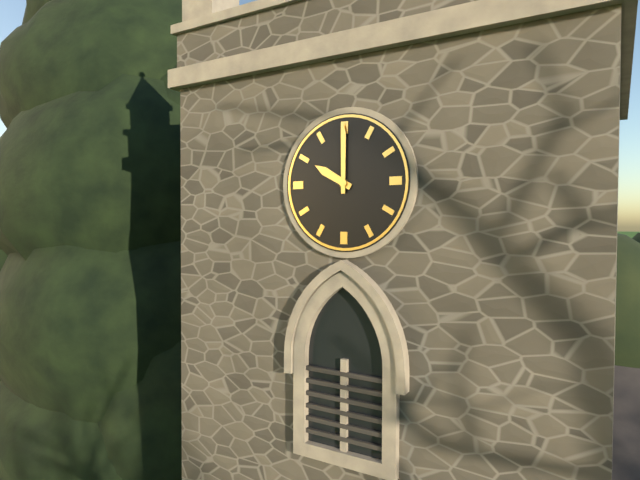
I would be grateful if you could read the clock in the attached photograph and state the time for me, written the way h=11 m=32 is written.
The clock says h=10 m=0
